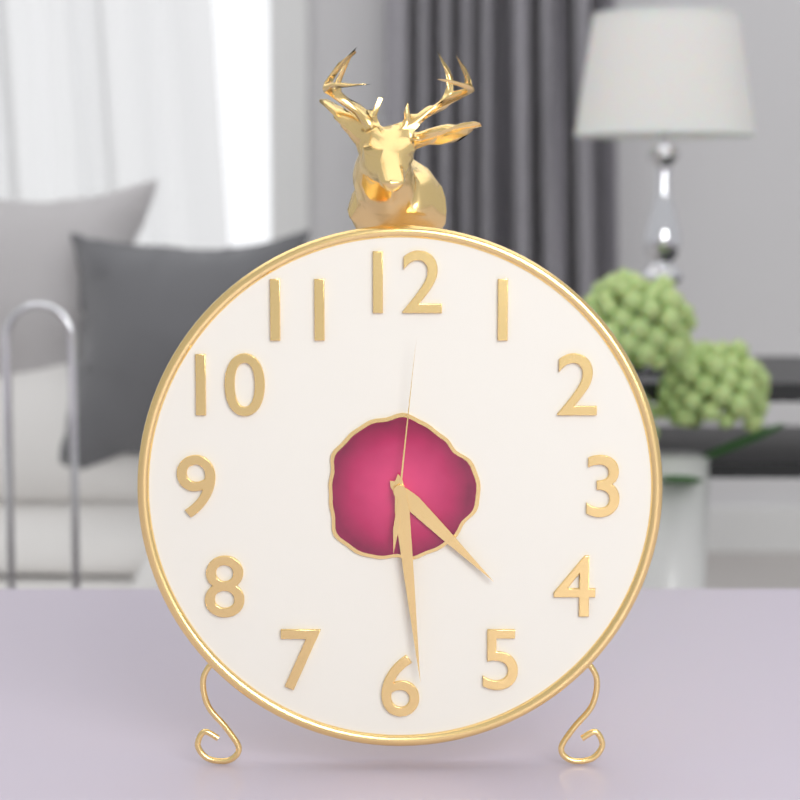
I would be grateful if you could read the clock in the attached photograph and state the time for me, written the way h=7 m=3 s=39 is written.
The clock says h=4 m=29 s=1
